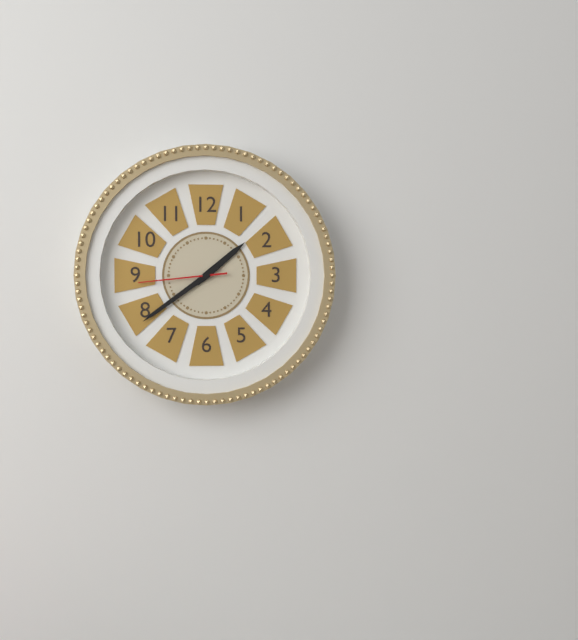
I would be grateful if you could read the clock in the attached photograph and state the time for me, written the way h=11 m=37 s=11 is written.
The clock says h=1 m=39 s=44
